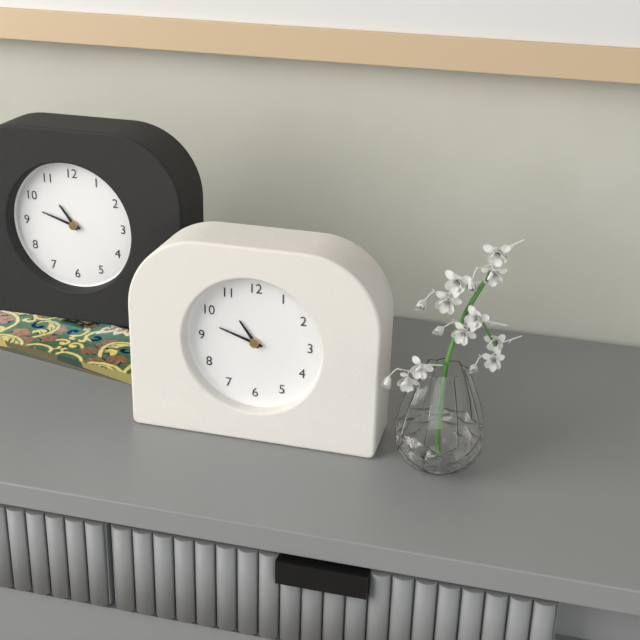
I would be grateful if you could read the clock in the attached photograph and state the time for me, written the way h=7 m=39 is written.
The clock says h=10 m=48
